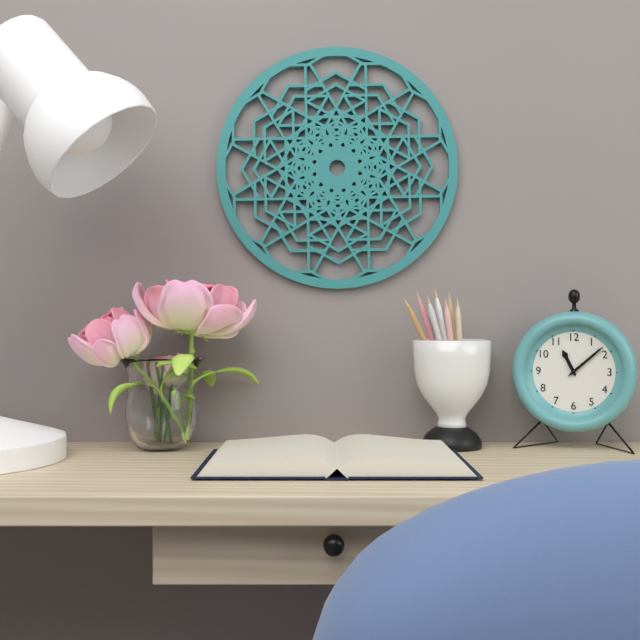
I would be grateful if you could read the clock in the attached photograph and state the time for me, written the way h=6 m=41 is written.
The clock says h=11 m=8
